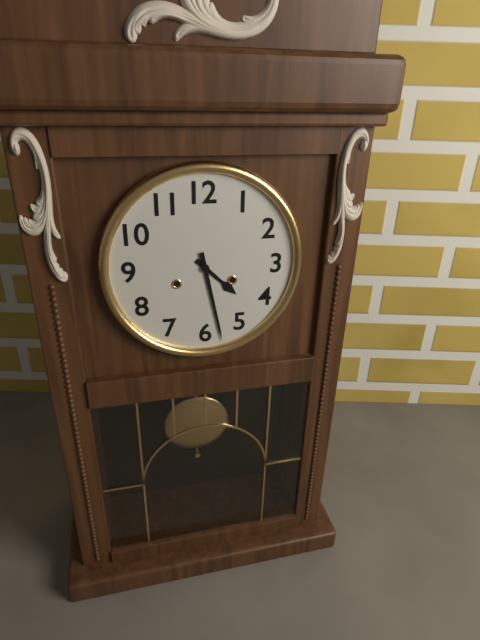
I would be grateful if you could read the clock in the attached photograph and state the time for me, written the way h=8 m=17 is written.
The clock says h=4 m=28
